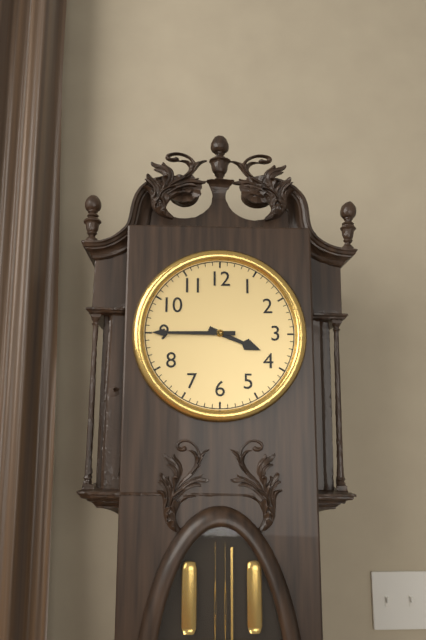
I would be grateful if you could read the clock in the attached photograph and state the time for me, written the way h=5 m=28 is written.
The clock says h=3 m=45
